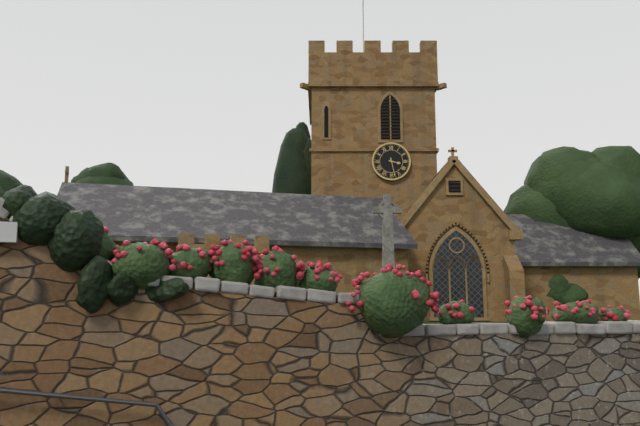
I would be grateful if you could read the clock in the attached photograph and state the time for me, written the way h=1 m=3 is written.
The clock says h=3 m=28
